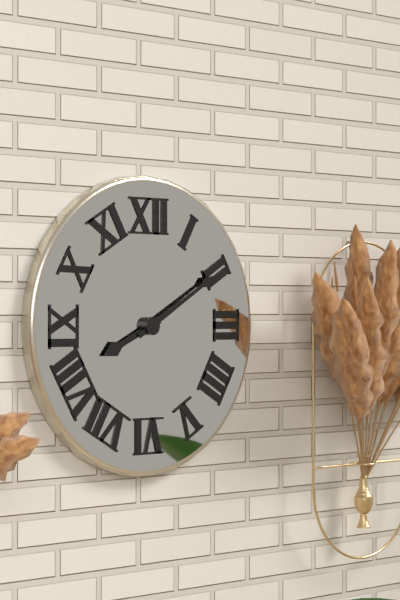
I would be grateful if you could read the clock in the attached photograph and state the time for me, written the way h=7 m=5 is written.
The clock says h=8 m=10
